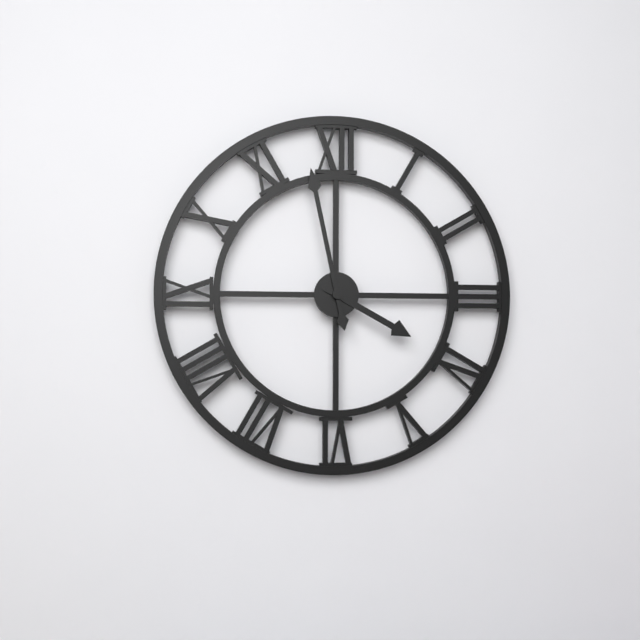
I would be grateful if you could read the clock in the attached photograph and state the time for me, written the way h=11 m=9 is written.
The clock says h=3 m=58
